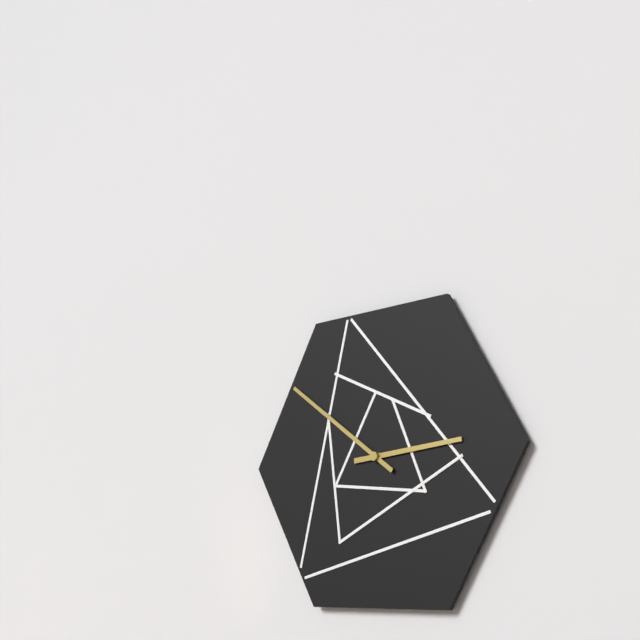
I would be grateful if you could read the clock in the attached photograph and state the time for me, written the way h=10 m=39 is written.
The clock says h=2 m=51
